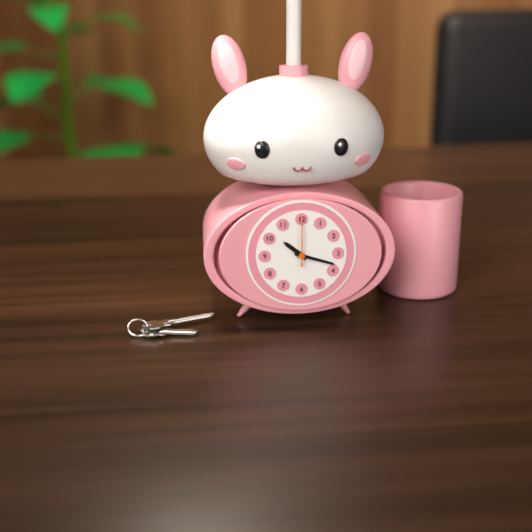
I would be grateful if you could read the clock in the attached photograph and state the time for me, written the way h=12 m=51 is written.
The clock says h=10 m=18
